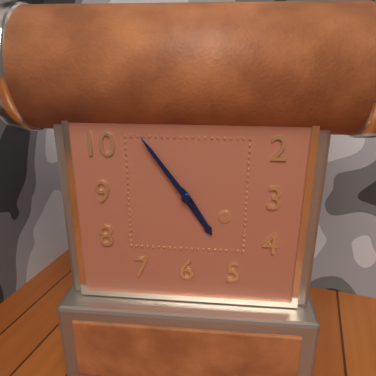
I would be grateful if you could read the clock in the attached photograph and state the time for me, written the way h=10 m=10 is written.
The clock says h=4 m=54
